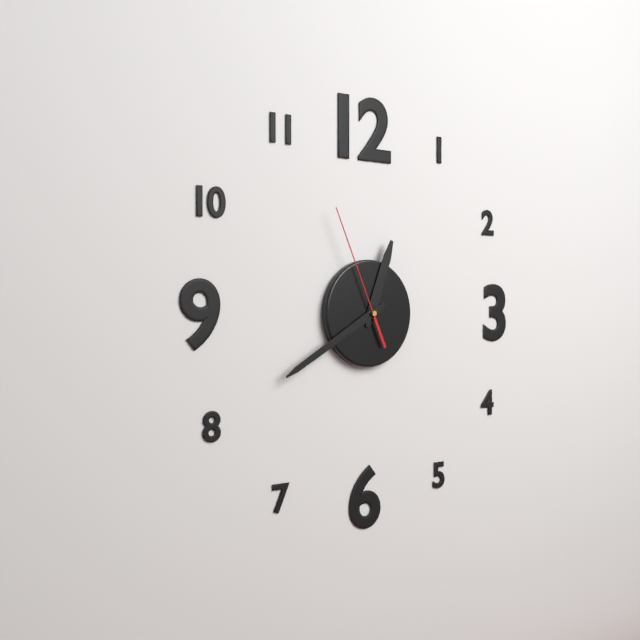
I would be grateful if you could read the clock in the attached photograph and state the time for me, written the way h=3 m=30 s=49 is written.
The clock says h=12 m=40 s=56
